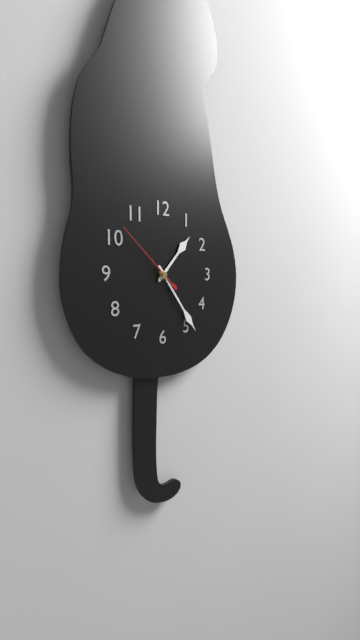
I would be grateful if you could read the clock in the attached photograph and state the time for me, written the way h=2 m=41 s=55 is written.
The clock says h=1 m=24 s=52
